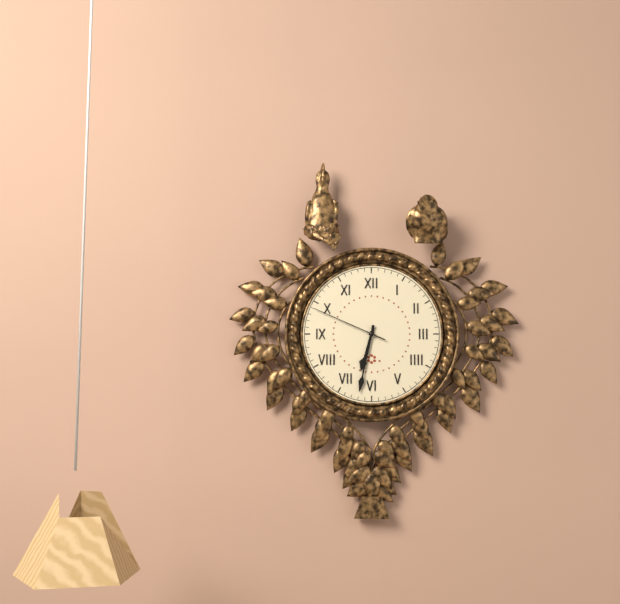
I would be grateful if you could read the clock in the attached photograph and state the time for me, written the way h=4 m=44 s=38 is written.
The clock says h=6 m=32 s=49
